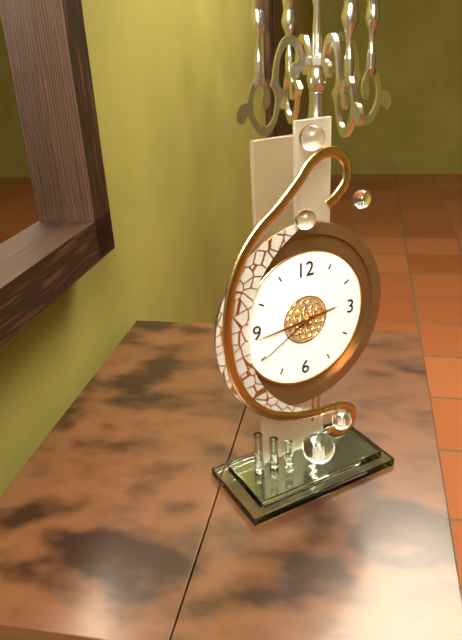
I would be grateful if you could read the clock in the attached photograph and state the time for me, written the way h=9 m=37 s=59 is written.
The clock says h=2 m=44 s=40
